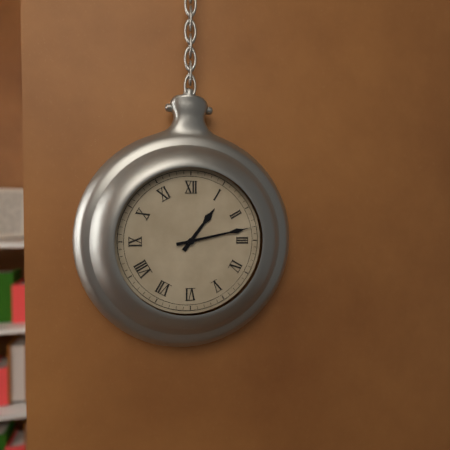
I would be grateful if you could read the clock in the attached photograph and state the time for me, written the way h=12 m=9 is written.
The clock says h=1 m=13
